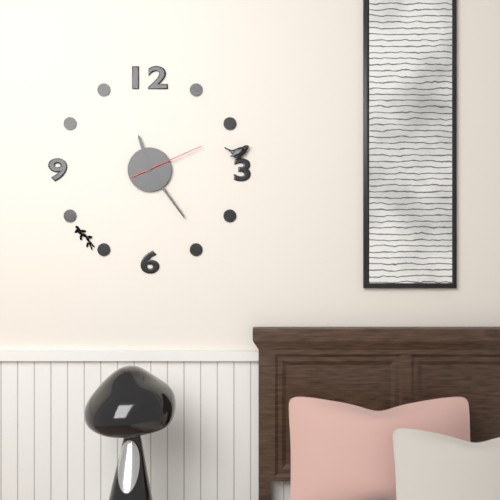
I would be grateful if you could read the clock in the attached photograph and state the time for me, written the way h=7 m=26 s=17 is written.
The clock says h=11 m=24 s=11
